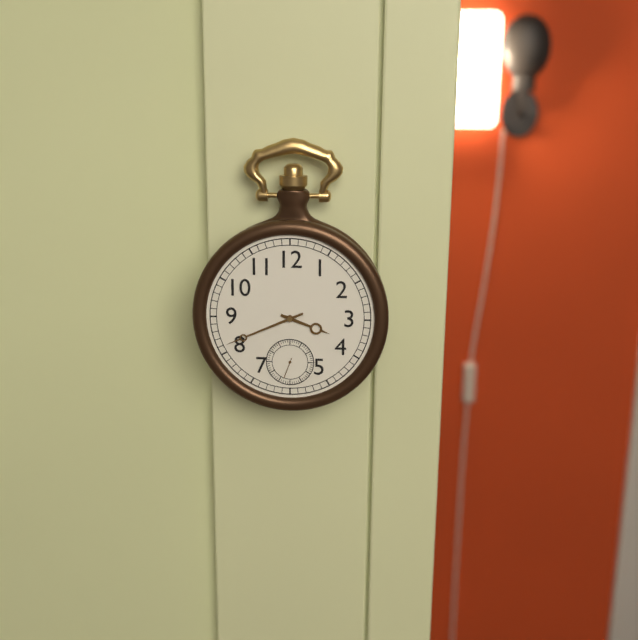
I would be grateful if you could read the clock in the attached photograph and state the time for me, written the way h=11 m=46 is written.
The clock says h=3 m=41
